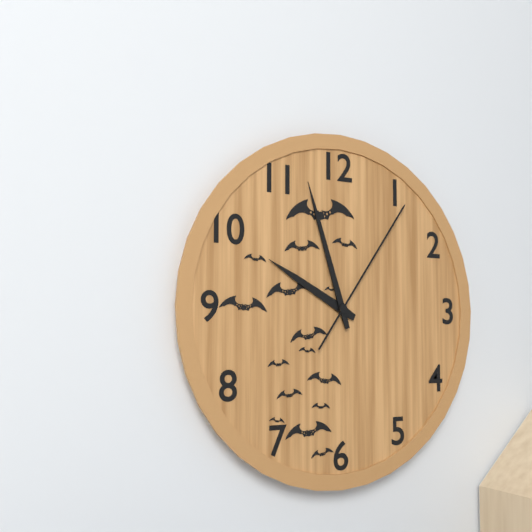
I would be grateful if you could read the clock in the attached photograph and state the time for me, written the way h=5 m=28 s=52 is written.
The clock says h=9 m=57 s=6
